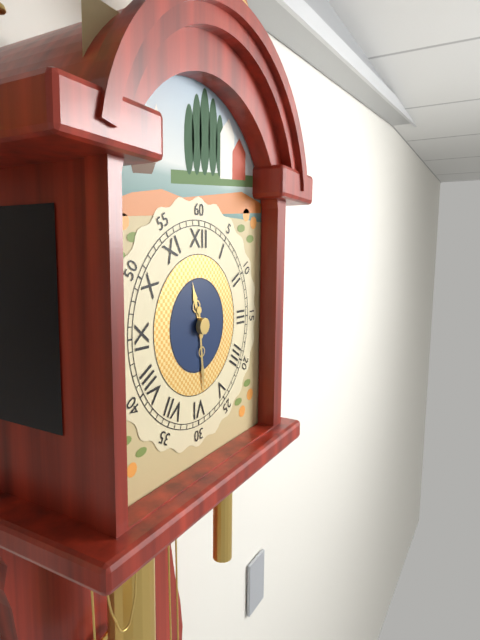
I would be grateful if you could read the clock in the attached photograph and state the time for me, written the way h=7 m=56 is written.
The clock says h=11 m=29
